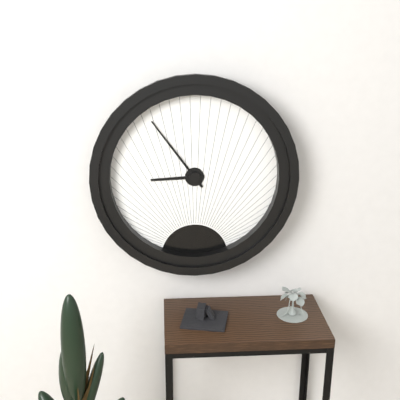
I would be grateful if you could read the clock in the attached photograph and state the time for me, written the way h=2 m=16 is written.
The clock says h=8 m=54
